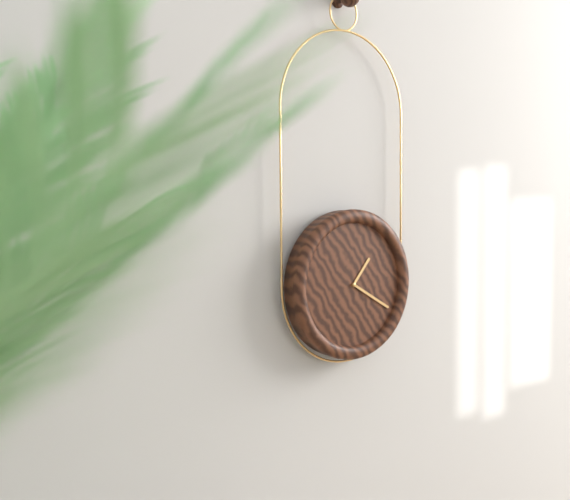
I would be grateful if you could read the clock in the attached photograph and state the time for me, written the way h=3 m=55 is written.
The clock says h=1 m=20
